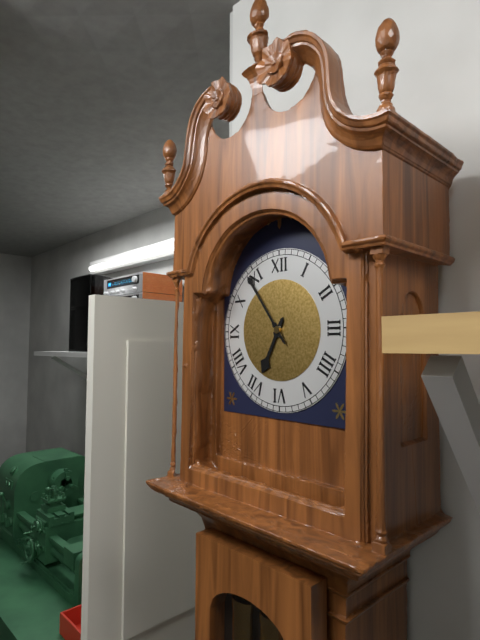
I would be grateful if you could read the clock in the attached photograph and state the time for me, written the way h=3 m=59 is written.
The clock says h=6 m=54
